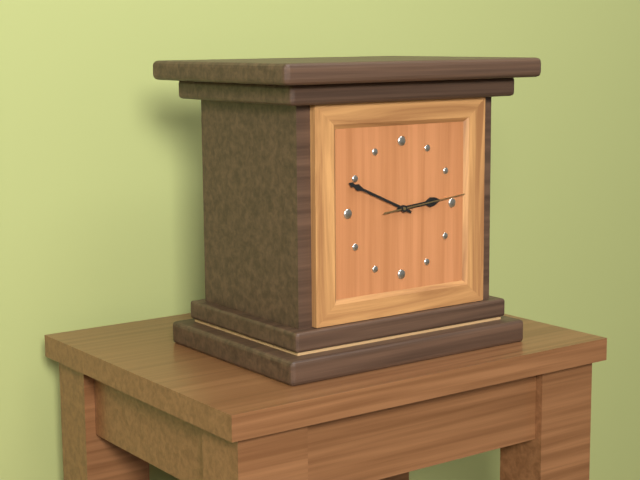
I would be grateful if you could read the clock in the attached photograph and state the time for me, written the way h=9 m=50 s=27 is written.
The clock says h=2 m=49 s=14
